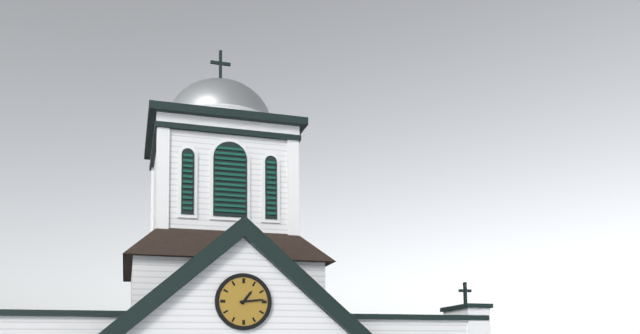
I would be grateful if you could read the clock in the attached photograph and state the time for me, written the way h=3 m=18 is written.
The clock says h=1 m=14
